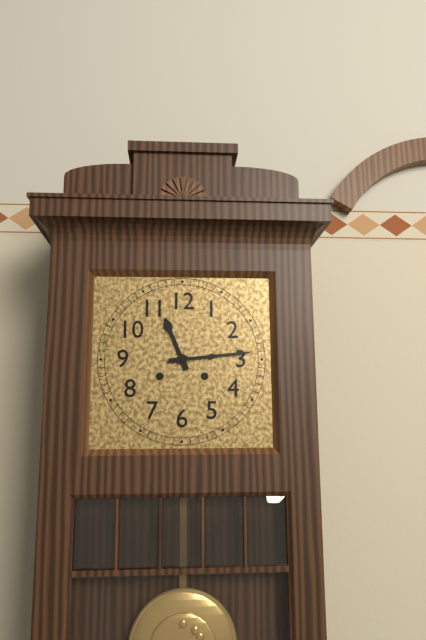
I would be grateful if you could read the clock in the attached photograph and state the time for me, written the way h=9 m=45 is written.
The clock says h=11 m=14
